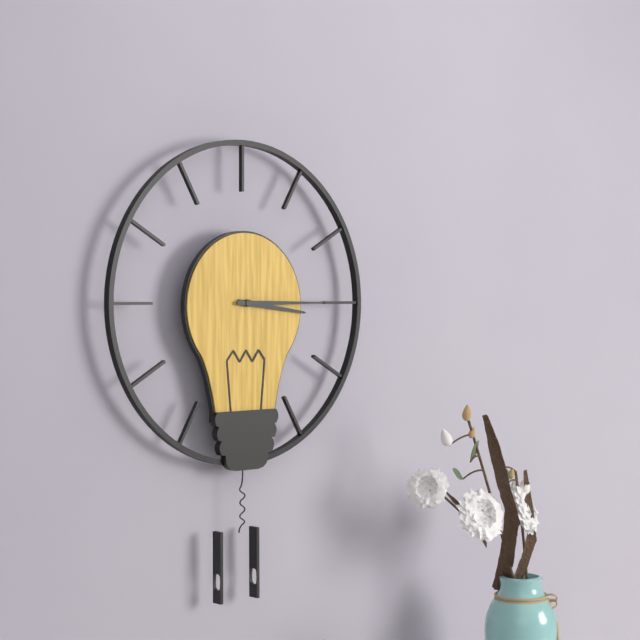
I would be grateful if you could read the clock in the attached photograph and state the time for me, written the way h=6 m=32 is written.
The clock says h=3 m=15
